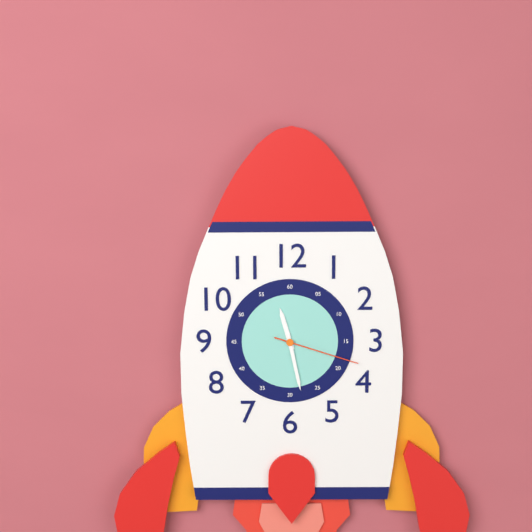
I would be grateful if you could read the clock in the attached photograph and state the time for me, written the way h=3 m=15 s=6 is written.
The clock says h=11 m=28 s=18
